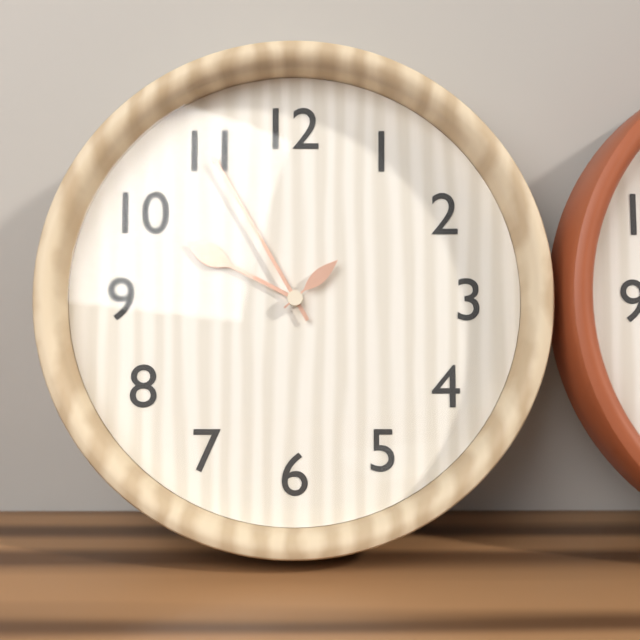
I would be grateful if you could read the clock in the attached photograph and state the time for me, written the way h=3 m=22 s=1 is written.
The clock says h=9 m=55 s=8
